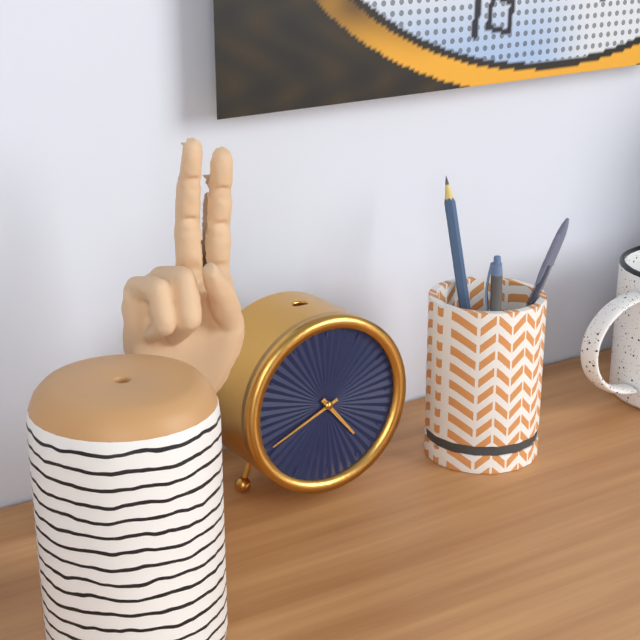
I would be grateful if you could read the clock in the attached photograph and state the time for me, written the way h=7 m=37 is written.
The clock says h=4 m=41
